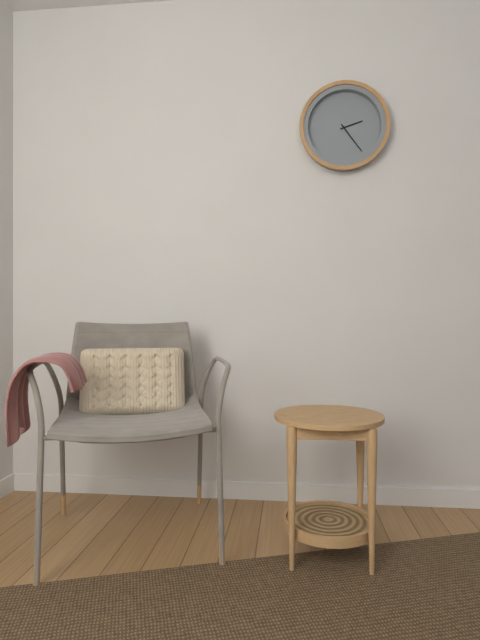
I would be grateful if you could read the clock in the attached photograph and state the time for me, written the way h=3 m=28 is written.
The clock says h=2 m=24
